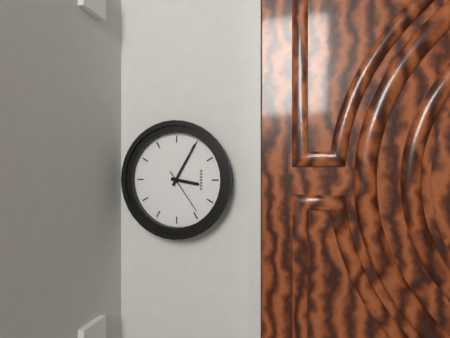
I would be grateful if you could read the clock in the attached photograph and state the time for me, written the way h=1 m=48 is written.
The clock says h=6 m=20
